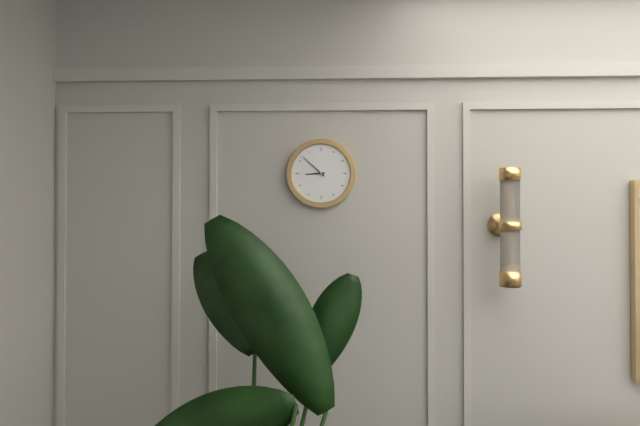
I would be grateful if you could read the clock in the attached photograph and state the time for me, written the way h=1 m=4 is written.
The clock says h=8 m=52
